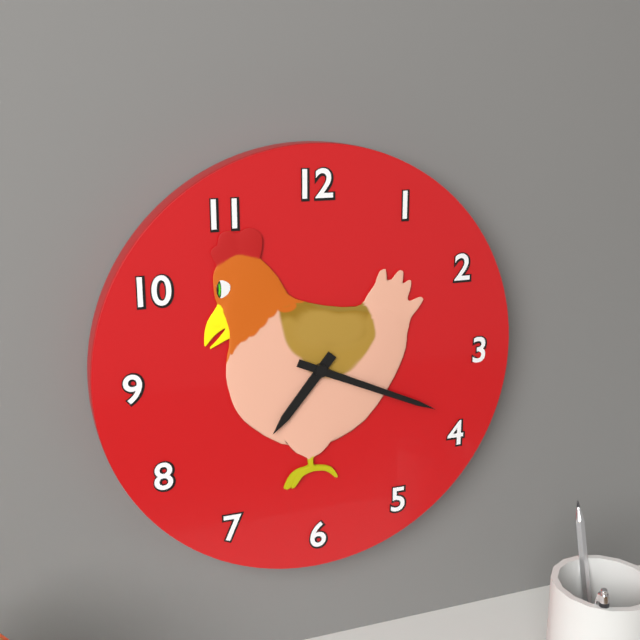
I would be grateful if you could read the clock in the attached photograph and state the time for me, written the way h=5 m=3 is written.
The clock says h=7 m=19
